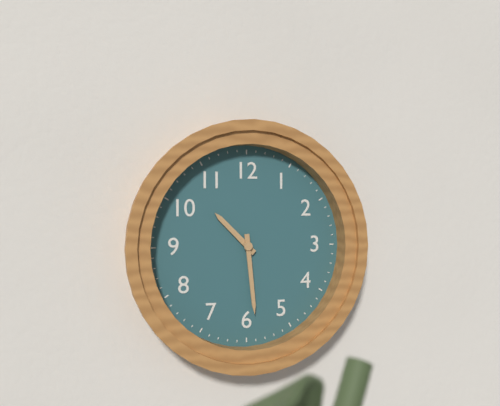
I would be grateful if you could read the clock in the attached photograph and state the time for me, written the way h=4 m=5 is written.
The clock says h=10 m=29
